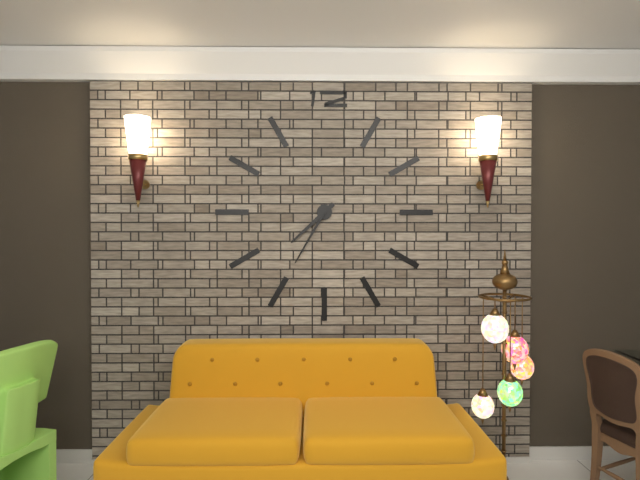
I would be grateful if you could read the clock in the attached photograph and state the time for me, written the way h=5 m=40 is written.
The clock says h=7 m=35
